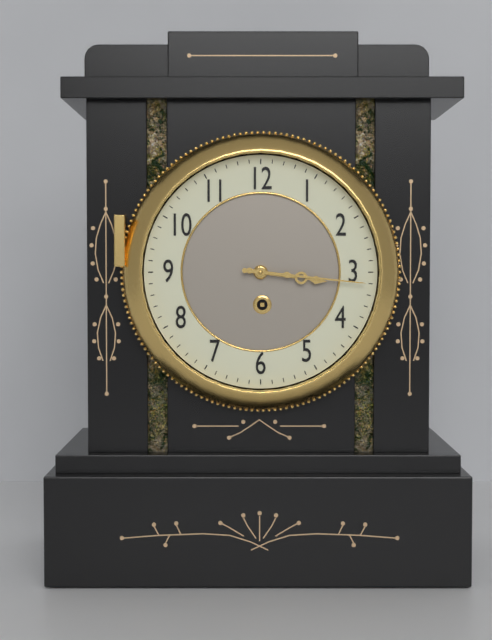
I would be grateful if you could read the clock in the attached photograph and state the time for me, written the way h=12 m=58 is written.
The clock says h=3 m=16
